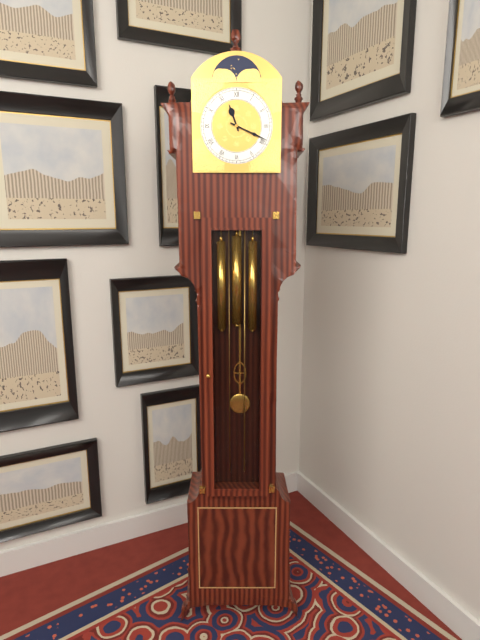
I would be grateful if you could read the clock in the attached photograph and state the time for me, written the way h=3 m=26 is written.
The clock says h=11 m=19
